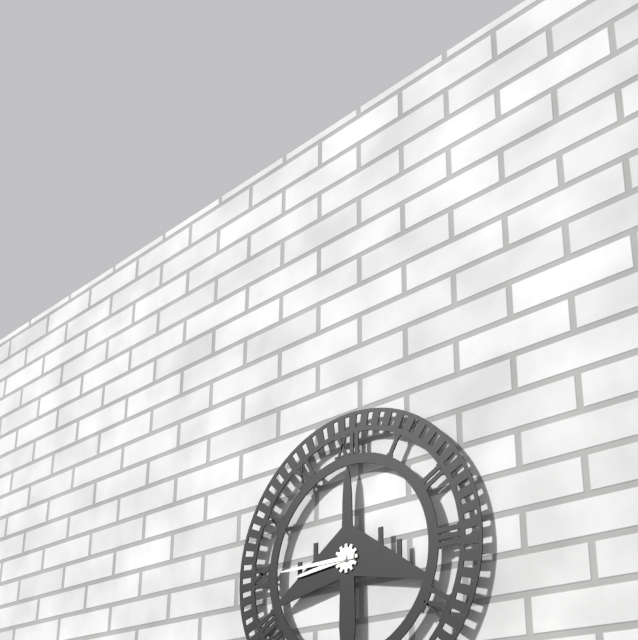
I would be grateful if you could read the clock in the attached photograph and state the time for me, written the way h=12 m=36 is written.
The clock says h=8 m=45
